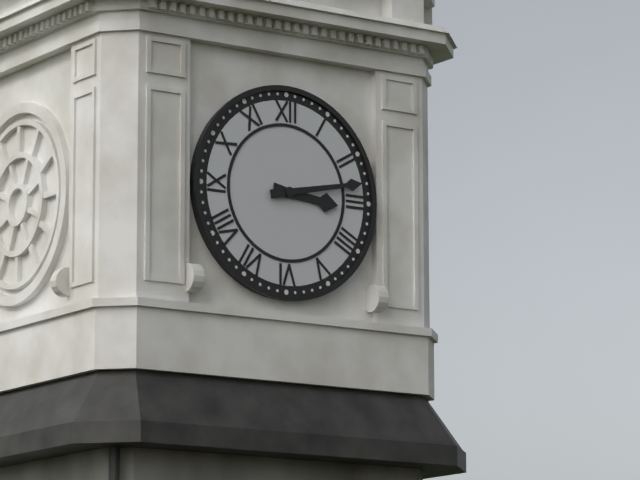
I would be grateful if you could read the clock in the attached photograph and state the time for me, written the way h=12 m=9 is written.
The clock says h=3 m=13
